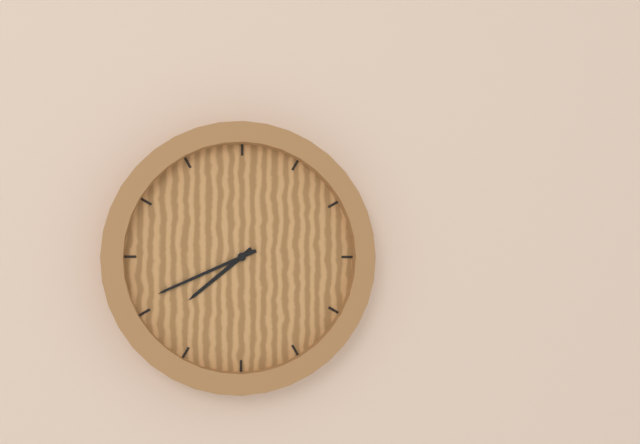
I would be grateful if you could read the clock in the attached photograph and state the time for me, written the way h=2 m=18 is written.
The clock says h=7 m=41
